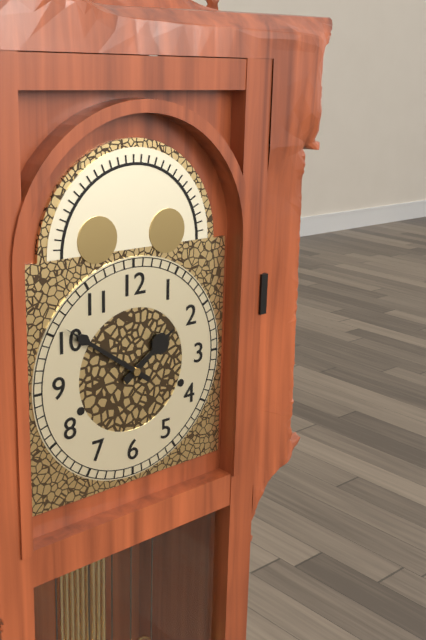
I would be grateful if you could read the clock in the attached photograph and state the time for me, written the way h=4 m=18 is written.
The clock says h=1 m=51
